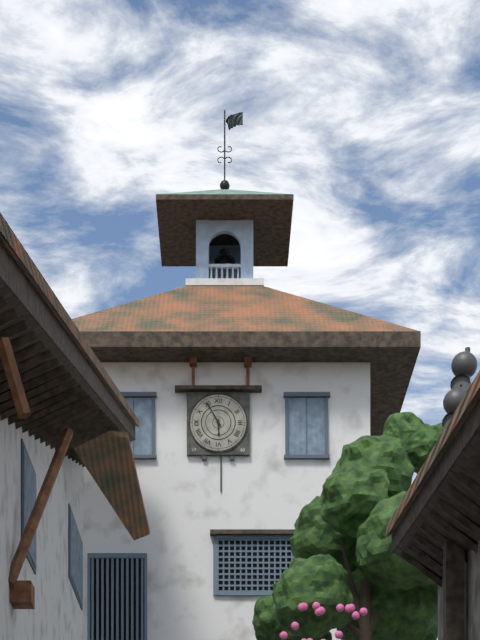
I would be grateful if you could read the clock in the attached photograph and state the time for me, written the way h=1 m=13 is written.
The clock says h=5 m=55
